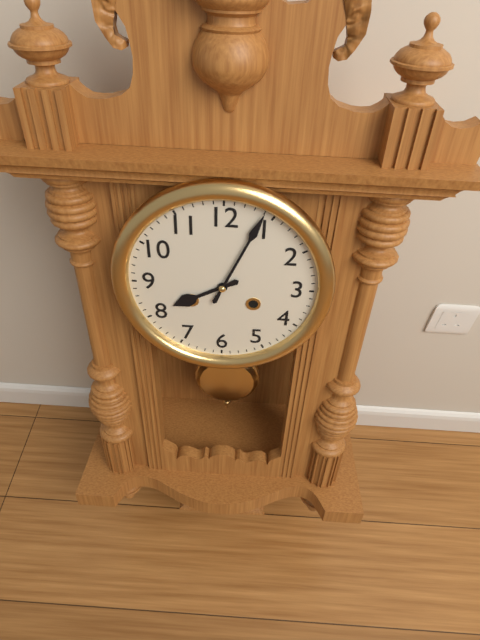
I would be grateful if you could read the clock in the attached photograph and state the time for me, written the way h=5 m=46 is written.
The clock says h=8 m=4
